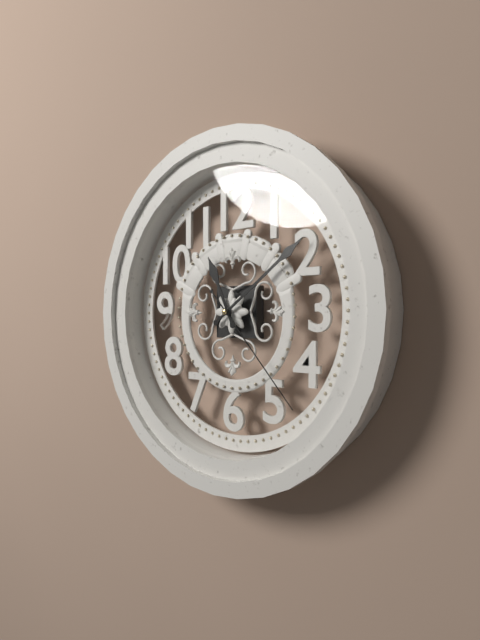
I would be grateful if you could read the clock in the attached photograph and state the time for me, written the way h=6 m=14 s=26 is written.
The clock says h=11 m=9 s=23
